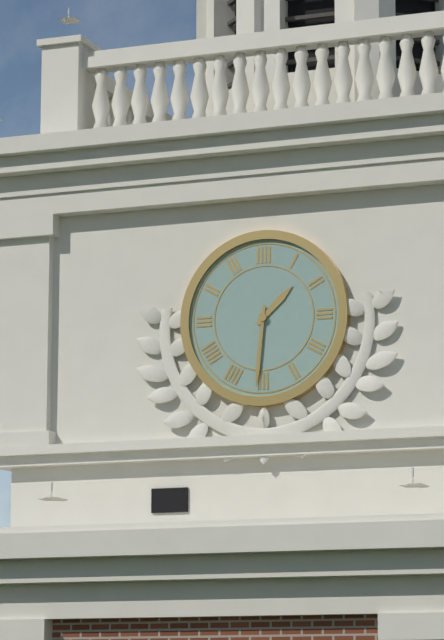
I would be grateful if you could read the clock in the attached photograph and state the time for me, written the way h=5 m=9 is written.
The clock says h=1 m=31
